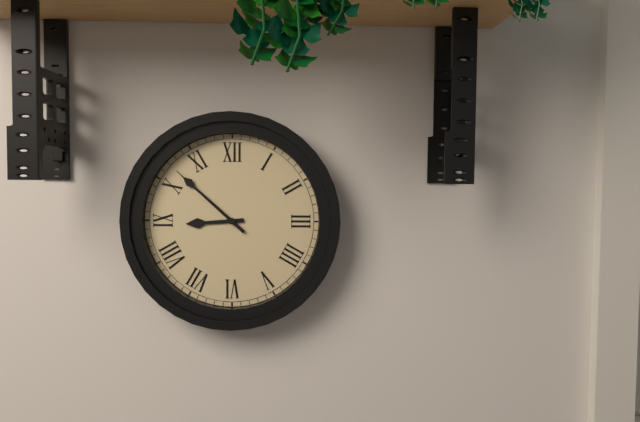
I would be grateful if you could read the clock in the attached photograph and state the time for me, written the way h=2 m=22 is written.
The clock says h=8 m=52
